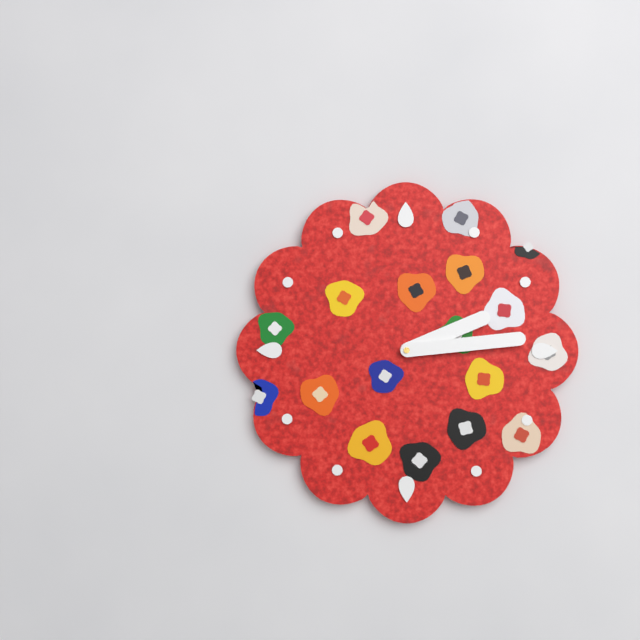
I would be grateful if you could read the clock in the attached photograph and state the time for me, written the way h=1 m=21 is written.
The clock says h=2 m=14
